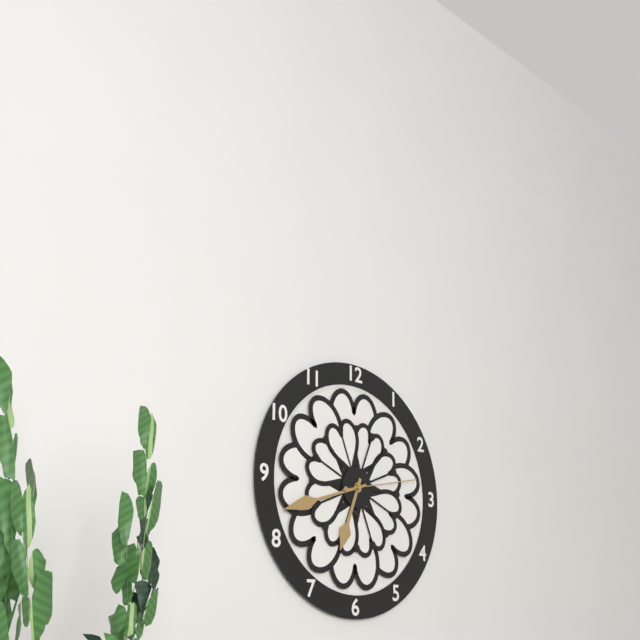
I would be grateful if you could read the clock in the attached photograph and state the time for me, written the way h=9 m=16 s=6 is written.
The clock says h=6 m=42 s=13
